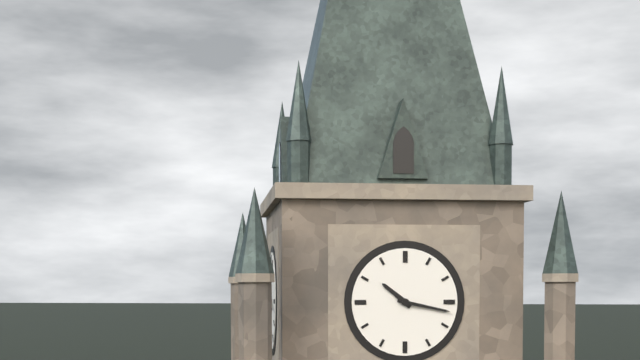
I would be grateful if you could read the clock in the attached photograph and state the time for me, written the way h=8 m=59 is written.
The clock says h=10 m=17
